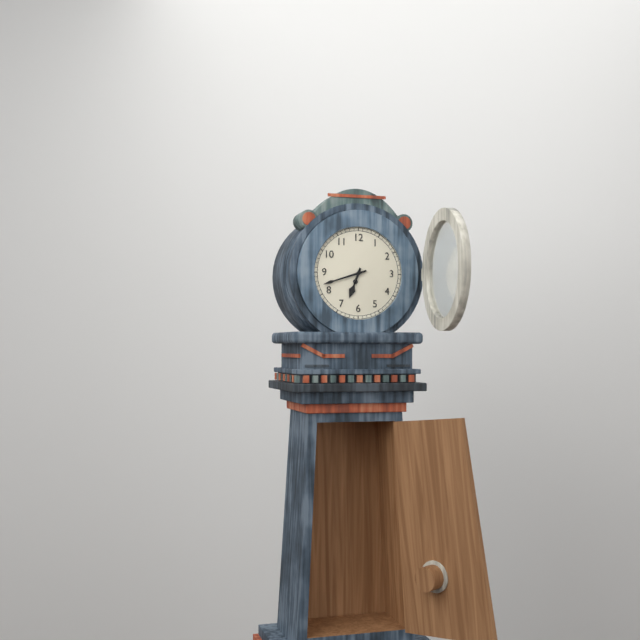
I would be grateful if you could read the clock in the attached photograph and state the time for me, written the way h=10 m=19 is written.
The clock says h=6 m=42
